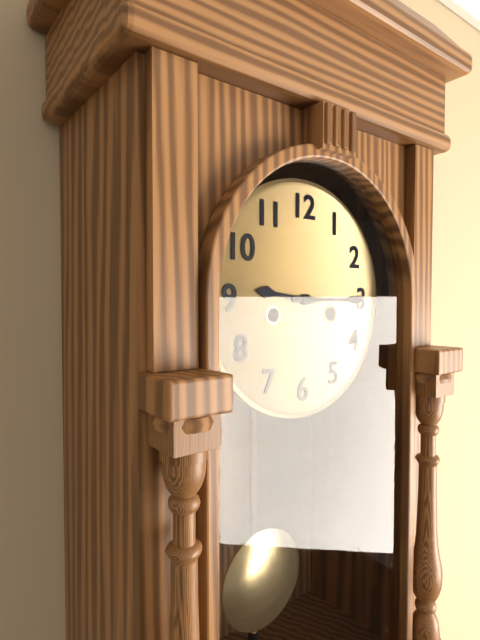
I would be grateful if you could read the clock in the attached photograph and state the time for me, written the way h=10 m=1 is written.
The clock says h=9 m=15
